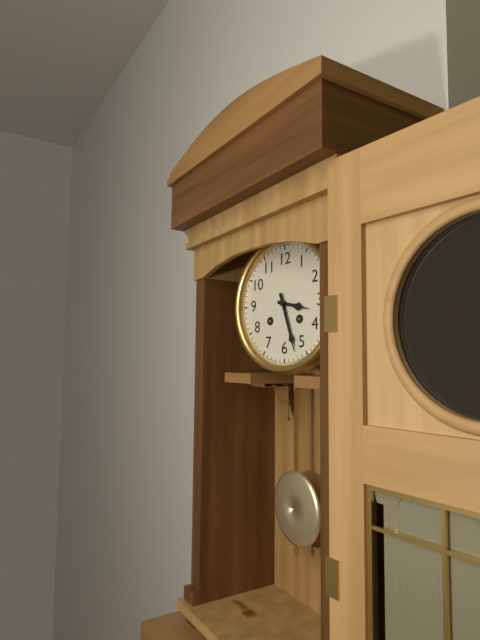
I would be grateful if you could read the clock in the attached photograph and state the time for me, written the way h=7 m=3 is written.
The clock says h=3 m=27
